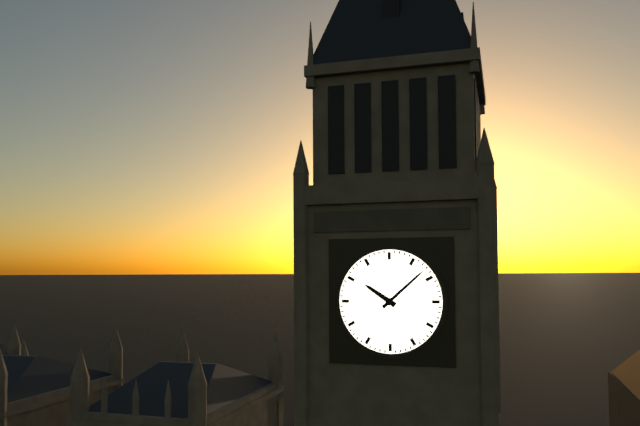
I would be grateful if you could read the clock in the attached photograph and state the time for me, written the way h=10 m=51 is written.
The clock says h=10 m=8
